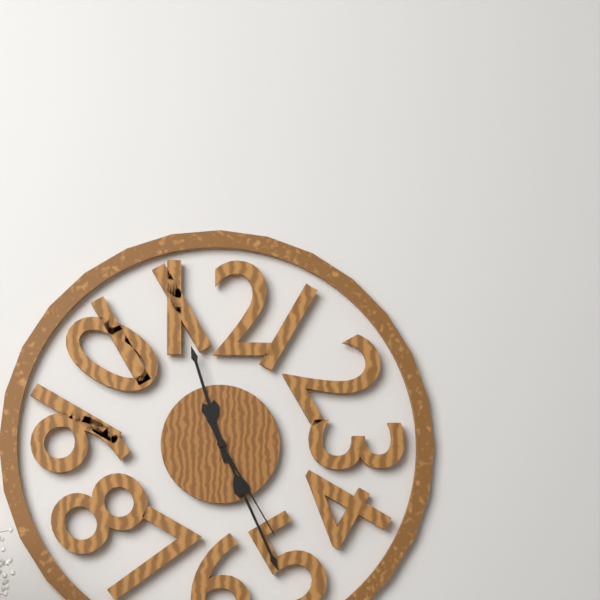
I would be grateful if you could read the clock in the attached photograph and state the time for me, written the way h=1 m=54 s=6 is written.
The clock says h=11 m=26 s=25
